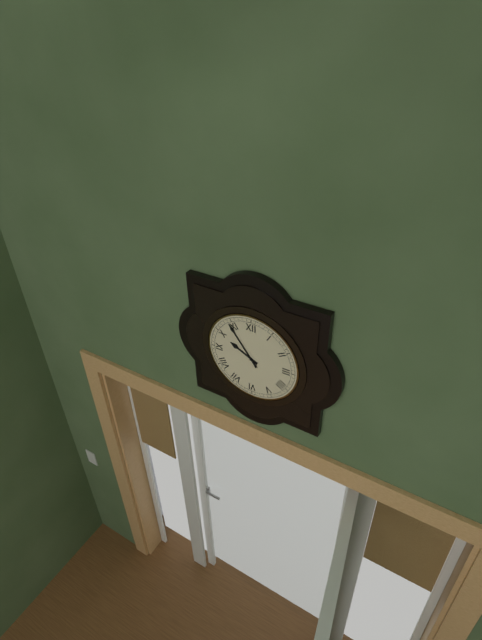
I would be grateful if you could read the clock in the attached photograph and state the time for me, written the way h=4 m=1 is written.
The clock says h=9 m=54
